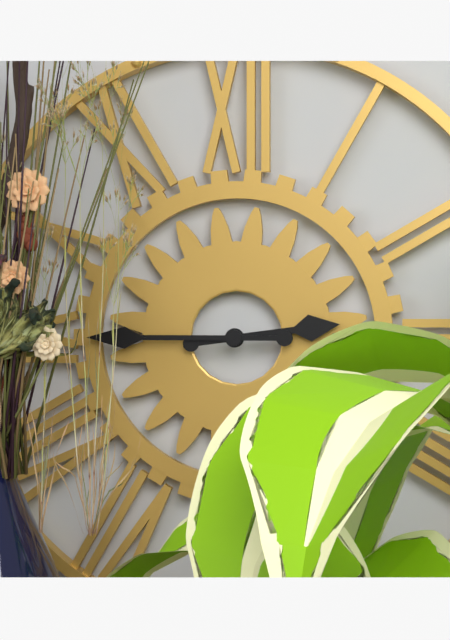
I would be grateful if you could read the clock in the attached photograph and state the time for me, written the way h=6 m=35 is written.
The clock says h=2 m=45
